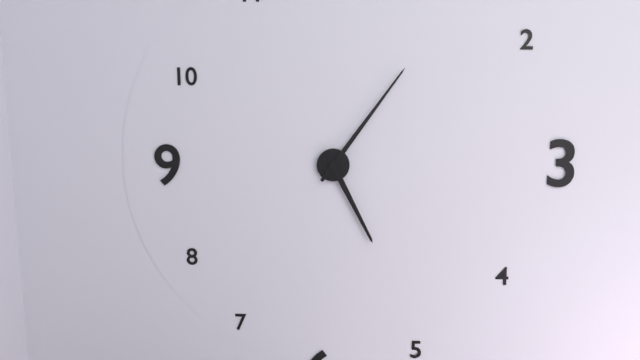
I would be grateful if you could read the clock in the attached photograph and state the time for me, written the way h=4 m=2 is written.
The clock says h=5 m=6
